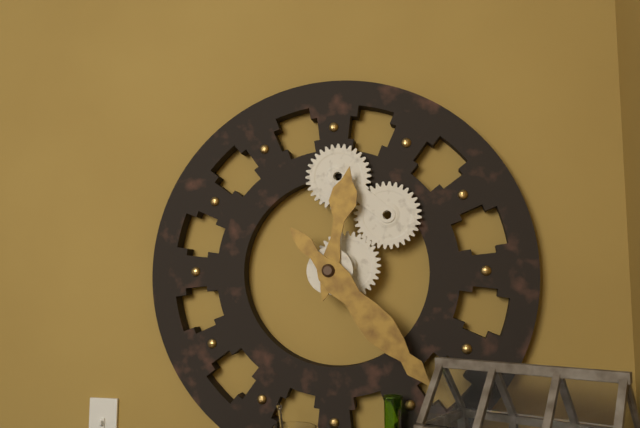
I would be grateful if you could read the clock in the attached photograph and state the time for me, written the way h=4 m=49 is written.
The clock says h=12 m=23
